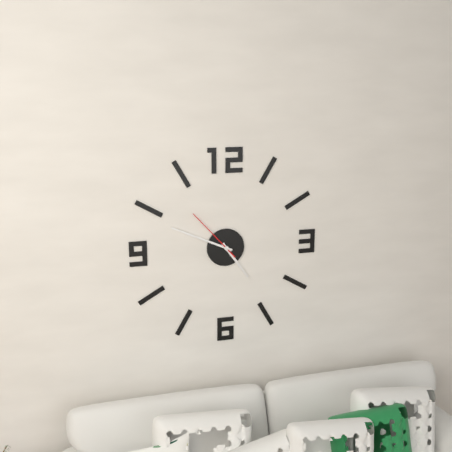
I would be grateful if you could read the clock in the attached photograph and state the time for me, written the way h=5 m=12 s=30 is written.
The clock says h=4 m=49 s=53
